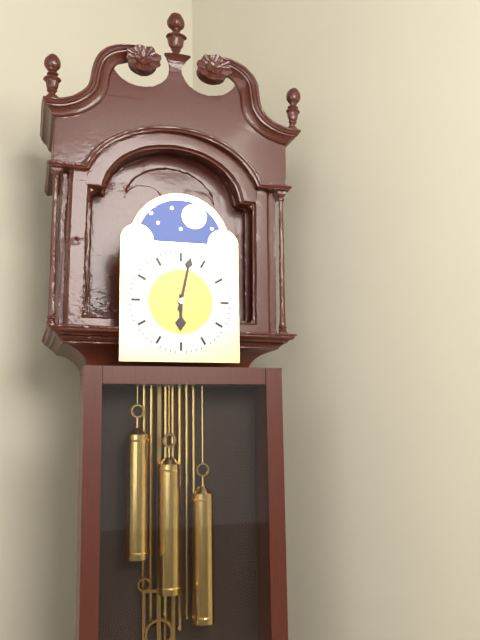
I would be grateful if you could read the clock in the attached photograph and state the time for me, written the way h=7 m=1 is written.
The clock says h=6 m=2
